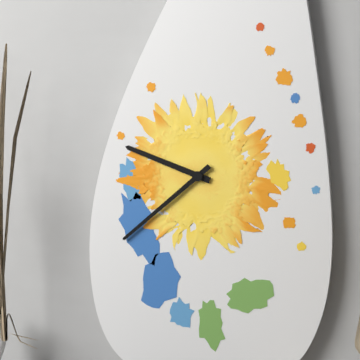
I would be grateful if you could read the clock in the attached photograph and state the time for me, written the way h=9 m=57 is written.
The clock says h=9 m=38
